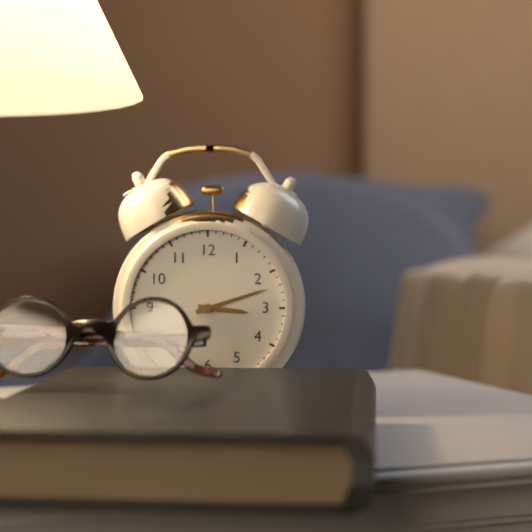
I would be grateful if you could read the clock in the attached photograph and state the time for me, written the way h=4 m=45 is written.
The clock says h=3 m=12
